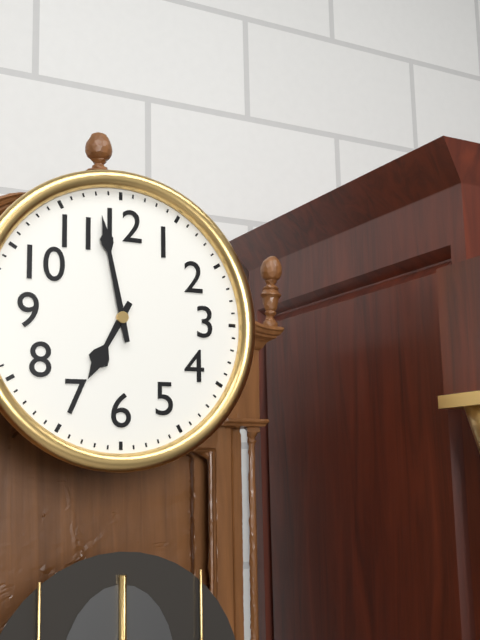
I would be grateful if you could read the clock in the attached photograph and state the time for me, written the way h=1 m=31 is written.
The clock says h=6 m=58
